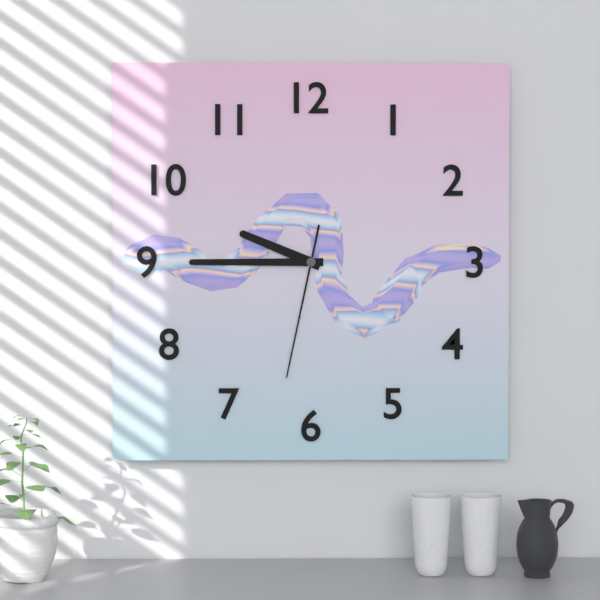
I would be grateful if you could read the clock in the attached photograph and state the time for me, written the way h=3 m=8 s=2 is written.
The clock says h=9 m=45 s=32
